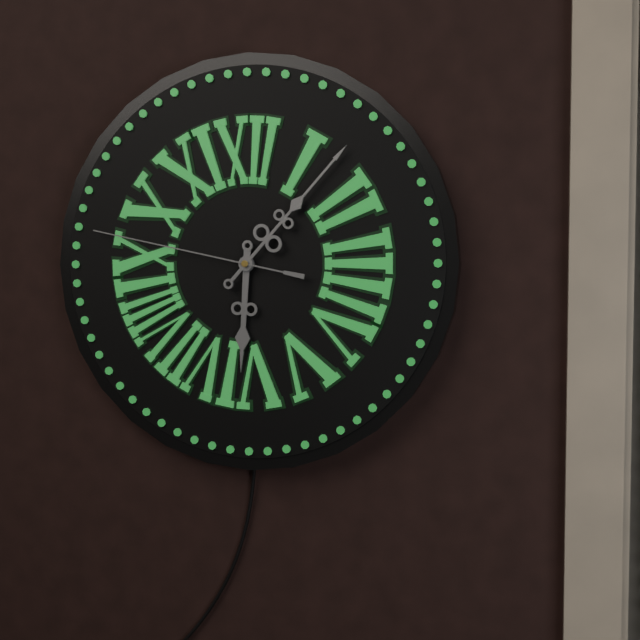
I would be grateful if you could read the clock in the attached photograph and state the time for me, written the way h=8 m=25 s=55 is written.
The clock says h=6 m=7 s=47
